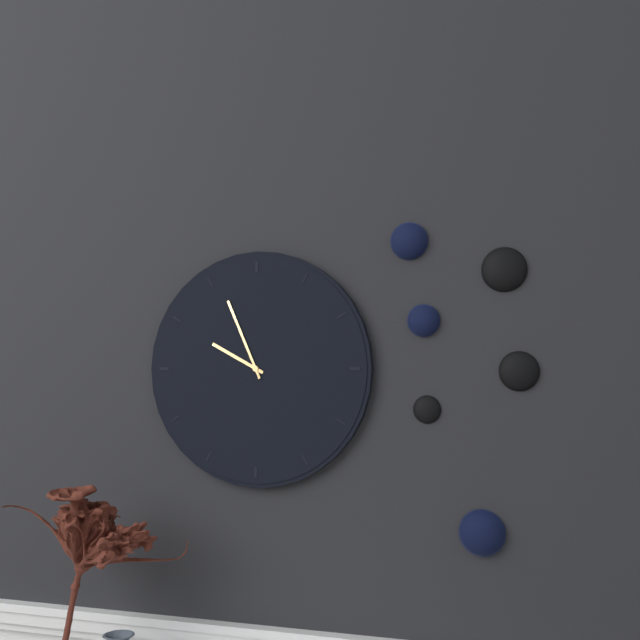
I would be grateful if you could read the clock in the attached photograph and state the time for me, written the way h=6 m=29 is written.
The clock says h=9 m=56
